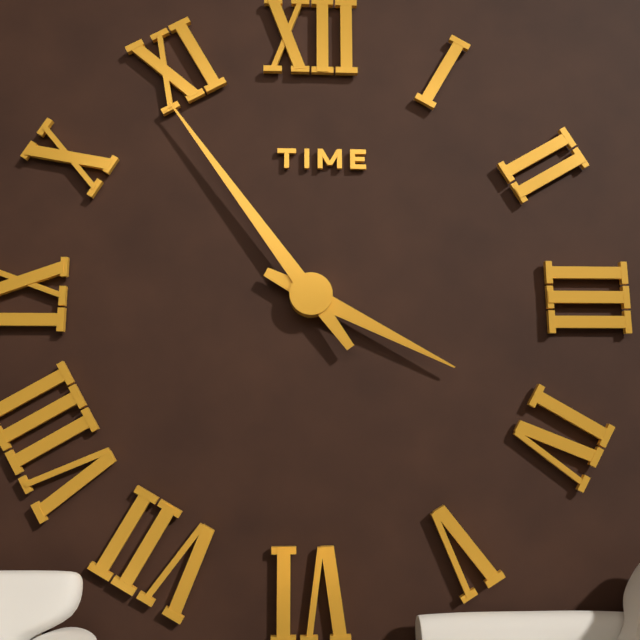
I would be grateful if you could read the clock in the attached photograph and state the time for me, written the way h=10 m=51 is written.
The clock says h=3 m=54
